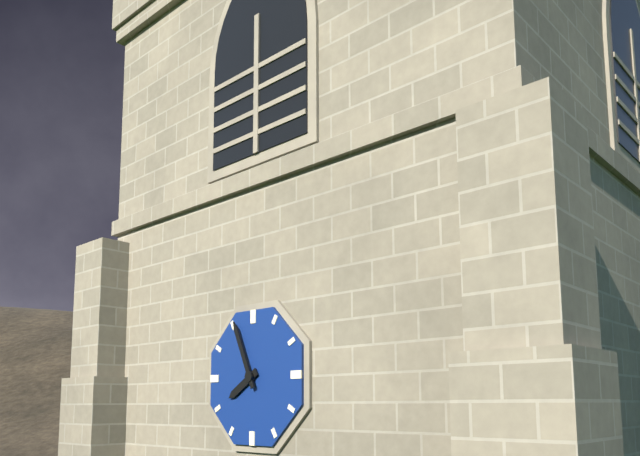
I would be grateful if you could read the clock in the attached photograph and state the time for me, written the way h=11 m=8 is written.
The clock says h=7 m=56
